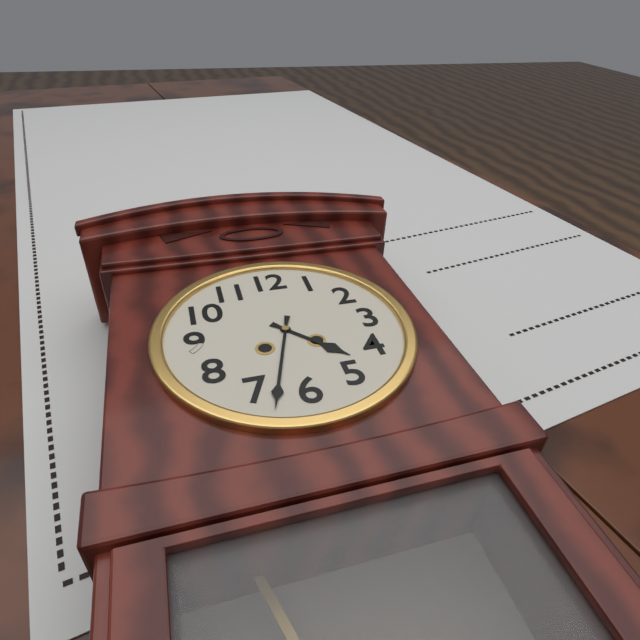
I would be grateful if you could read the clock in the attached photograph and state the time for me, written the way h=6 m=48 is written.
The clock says h=4 m=33
